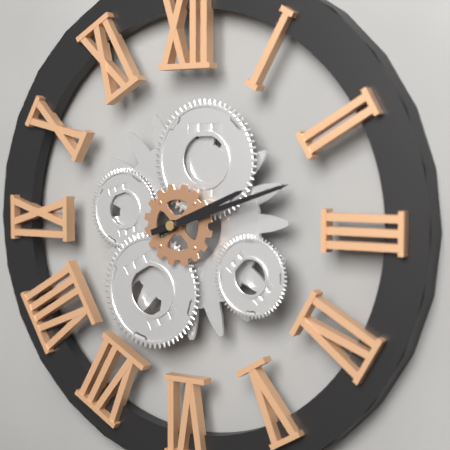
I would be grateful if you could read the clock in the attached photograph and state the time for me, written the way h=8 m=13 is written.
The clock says h=2 m=12
